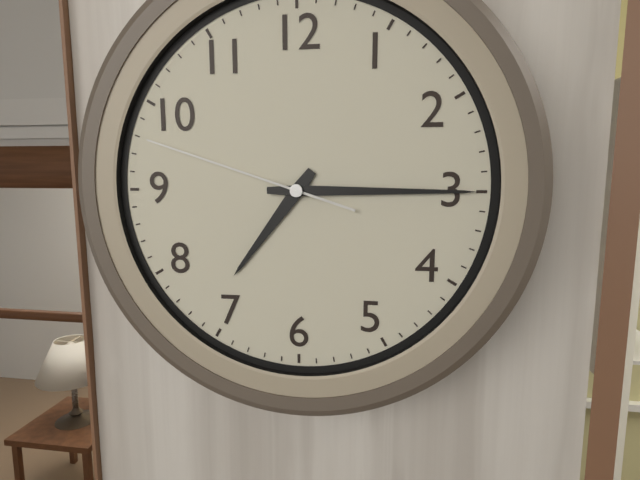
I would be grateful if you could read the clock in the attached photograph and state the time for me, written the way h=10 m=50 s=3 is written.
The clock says h=7 m=15 s=48
